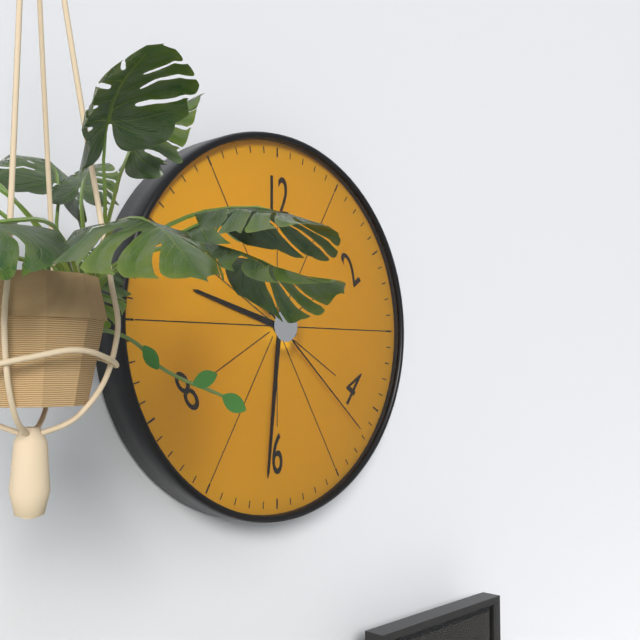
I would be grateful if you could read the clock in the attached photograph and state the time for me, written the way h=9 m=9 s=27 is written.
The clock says h=9 m=31 s=22
